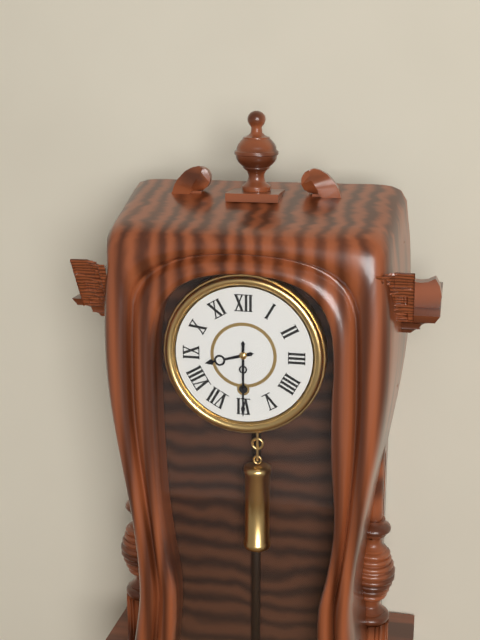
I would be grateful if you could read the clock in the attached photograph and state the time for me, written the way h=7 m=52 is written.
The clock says h=8 m=30
